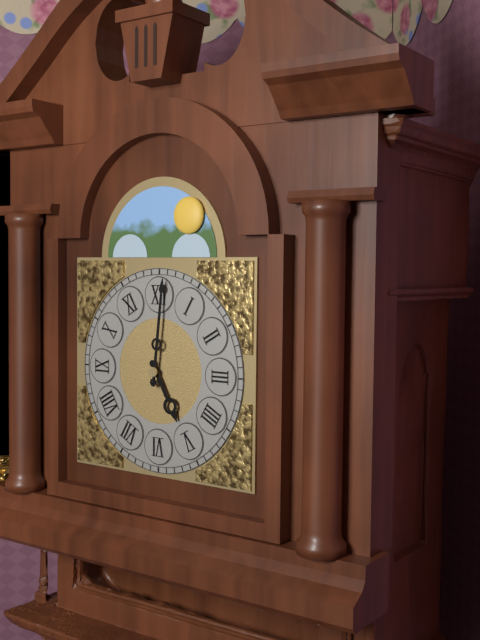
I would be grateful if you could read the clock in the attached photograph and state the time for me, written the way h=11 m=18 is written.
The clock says h=5 m=1
